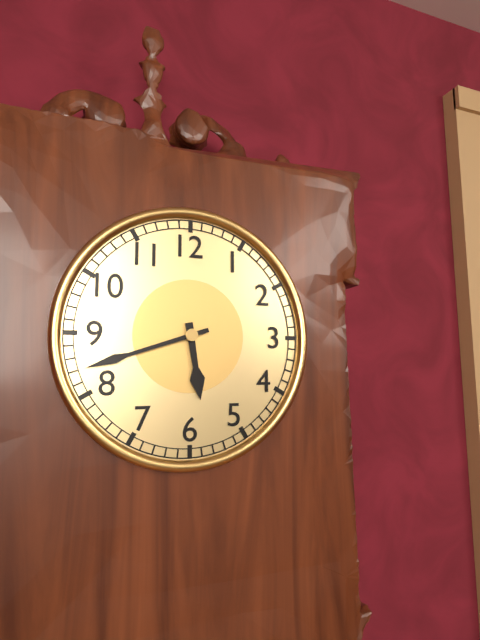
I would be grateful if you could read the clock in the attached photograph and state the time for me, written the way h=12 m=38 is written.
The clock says h=5 m=42
